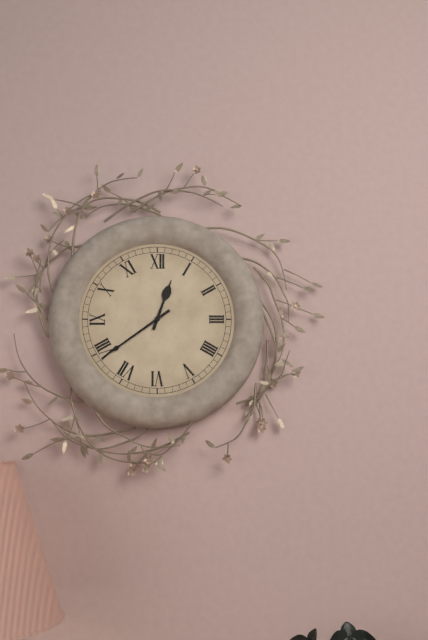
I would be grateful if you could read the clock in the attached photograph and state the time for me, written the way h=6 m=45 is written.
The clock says h=12 m=39
